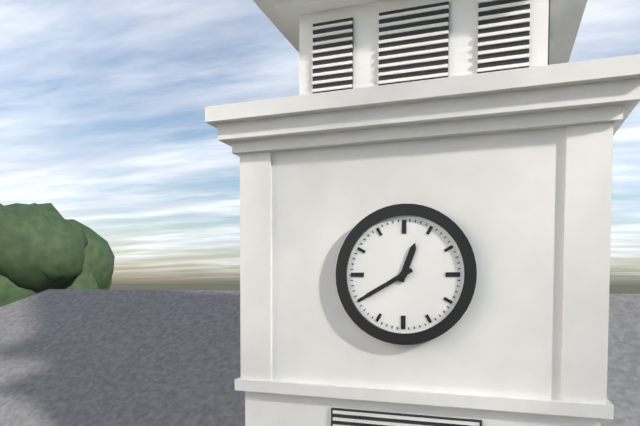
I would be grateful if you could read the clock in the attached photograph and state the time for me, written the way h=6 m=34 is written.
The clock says h=12 m=40
